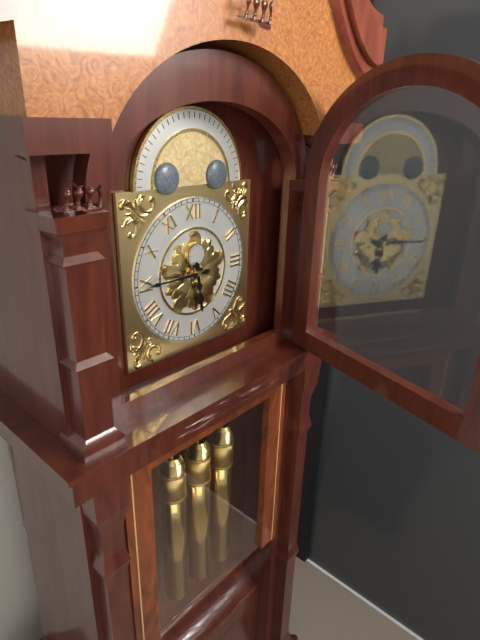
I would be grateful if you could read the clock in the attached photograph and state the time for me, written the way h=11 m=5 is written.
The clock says h=5 m=45
